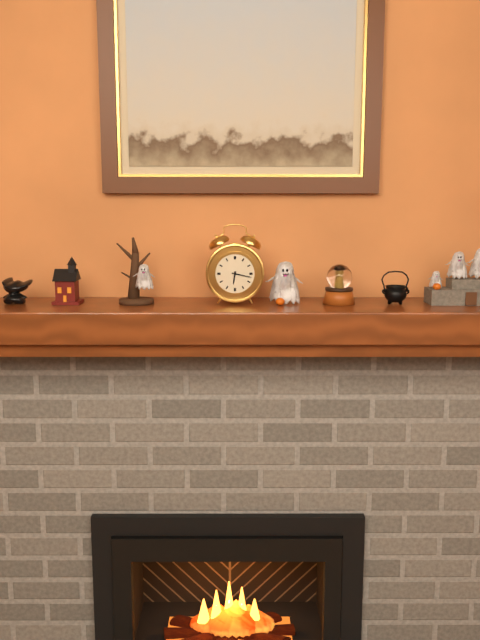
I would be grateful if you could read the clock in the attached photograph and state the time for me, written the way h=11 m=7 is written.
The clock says h=6 m=17
